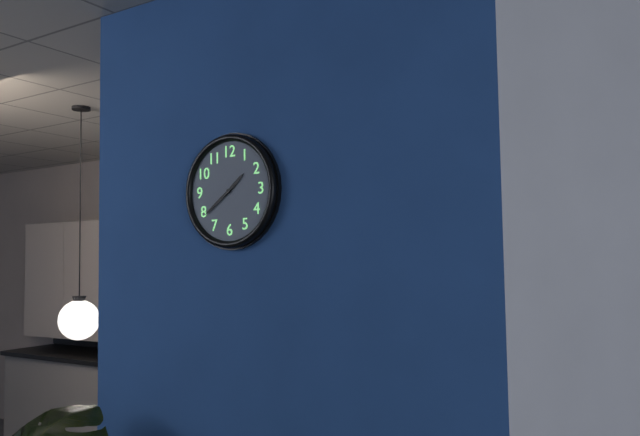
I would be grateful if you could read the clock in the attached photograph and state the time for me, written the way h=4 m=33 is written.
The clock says h=1 m=39
